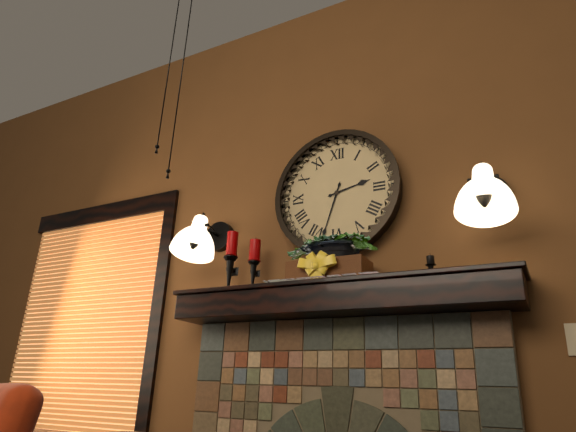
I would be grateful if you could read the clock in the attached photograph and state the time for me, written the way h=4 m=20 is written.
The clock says h=2 m=33
